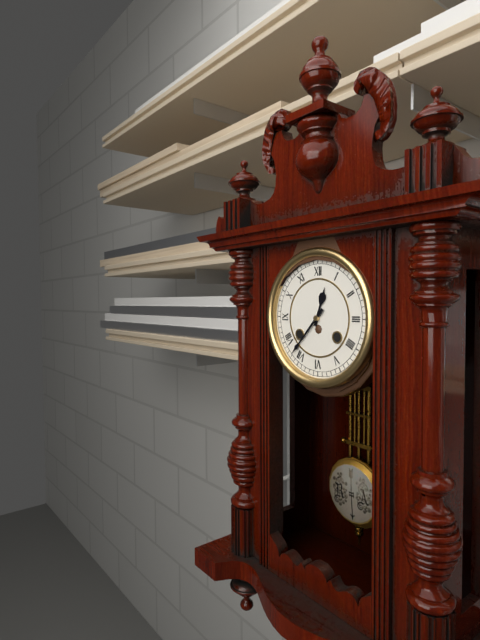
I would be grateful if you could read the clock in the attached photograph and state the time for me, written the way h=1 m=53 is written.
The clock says h=12 m=37
